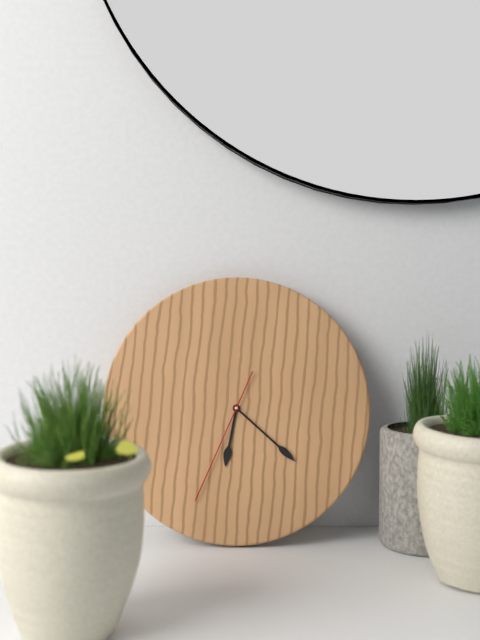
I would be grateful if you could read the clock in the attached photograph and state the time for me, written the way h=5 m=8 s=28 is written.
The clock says h=6 m=22 s=34
